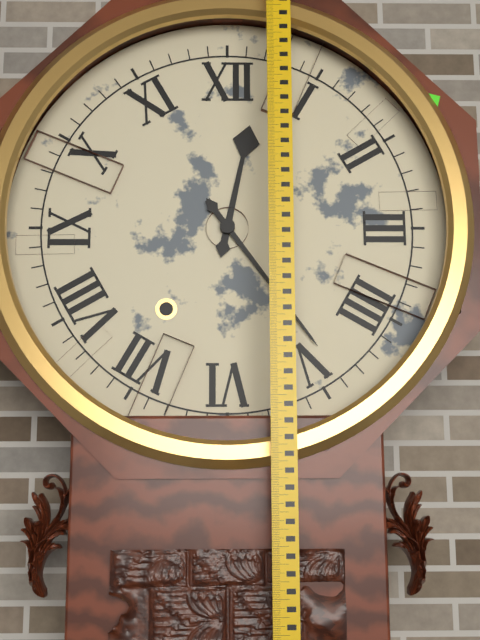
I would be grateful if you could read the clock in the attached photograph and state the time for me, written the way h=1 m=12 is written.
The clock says h=12 m=24
